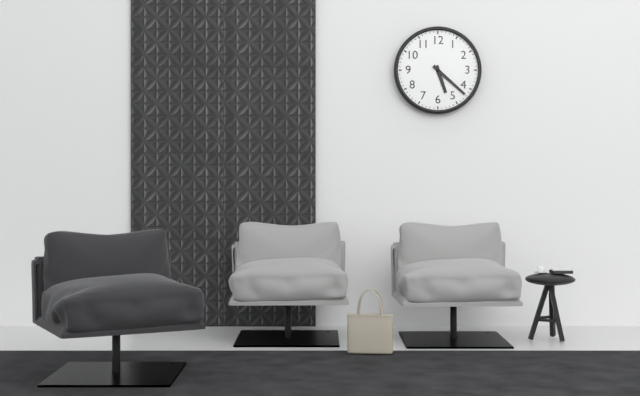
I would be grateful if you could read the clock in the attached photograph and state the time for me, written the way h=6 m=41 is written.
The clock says h=5 m=22
